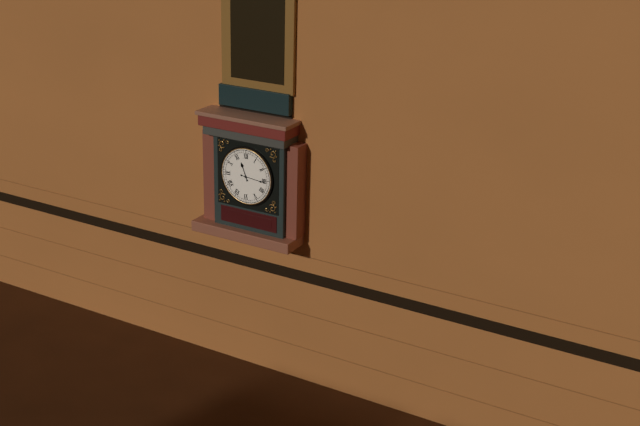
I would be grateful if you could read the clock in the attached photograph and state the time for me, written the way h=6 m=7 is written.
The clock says h=11 m=16
